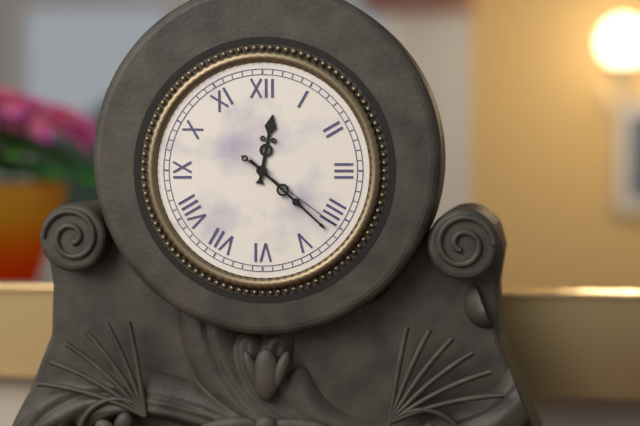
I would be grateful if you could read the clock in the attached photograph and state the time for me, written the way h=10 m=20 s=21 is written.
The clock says h=12 m=22 s=21
